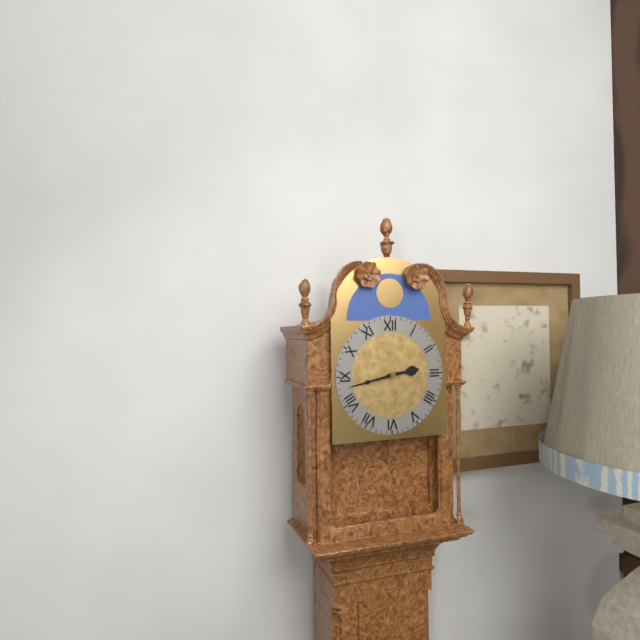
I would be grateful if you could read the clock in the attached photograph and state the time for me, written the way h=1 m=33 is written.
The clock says h=2 m=43
